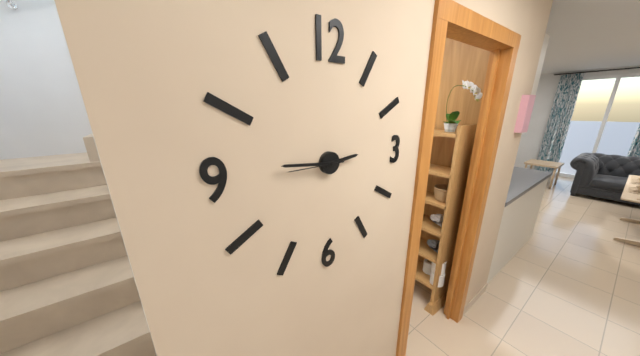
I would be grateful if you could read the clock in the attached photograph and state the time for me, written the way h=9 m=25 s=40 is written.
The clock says h=2 m=46 s=45
